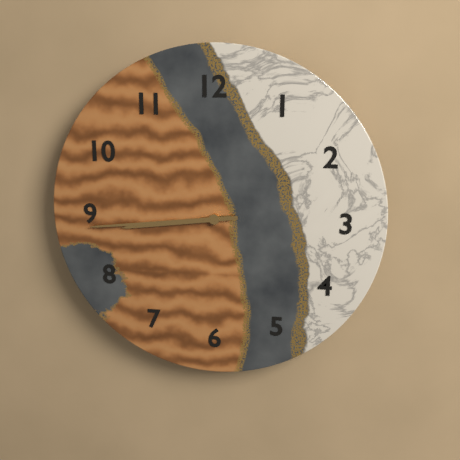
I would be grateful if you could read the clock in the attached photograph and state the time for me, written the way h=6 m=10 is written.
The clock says h=8 m=44
